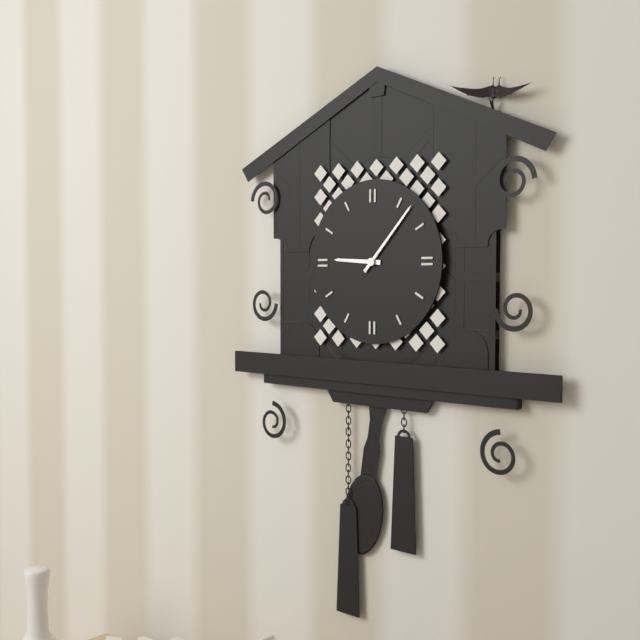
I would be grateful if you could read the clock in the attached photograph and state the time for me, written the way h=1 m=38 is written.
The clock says h=9 m=7
